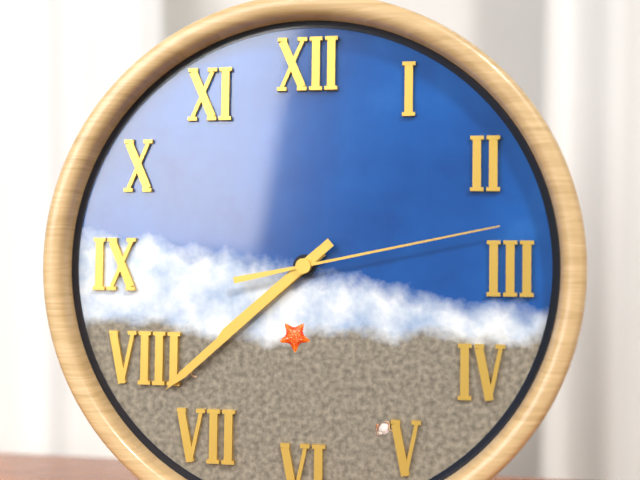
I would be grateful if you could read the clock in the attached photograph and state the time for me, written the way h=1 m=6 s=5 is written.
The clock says h=7 m=38 s=13
